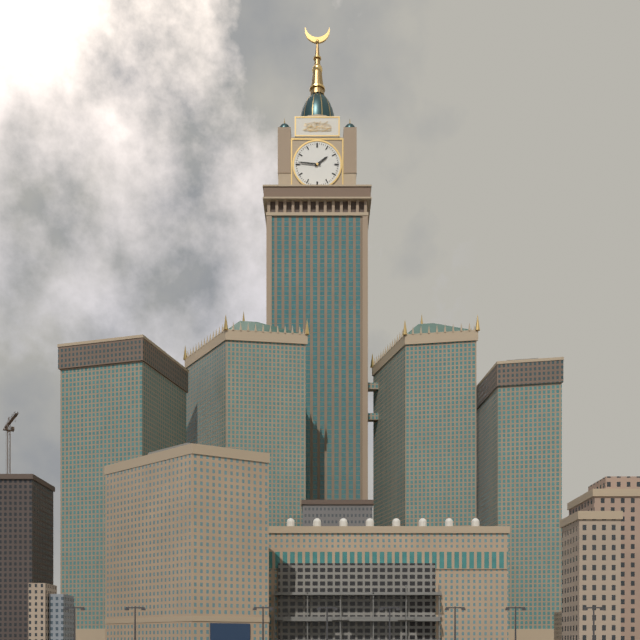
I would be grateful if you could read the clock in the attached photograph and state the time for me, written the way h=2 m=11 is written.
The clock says h=1 m=46
